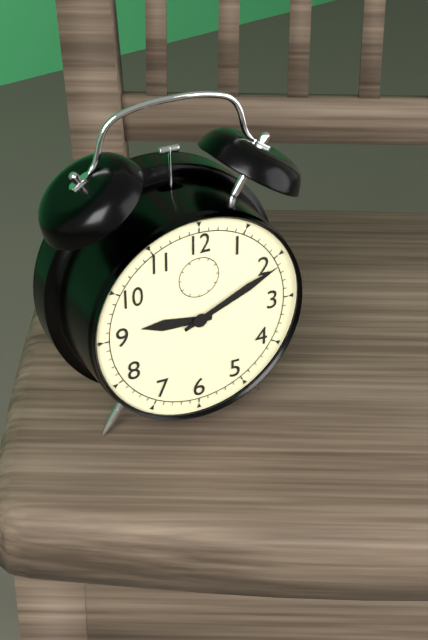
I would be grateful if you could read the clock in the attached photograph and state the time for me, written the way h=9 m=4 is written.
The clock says h=9 m=11
